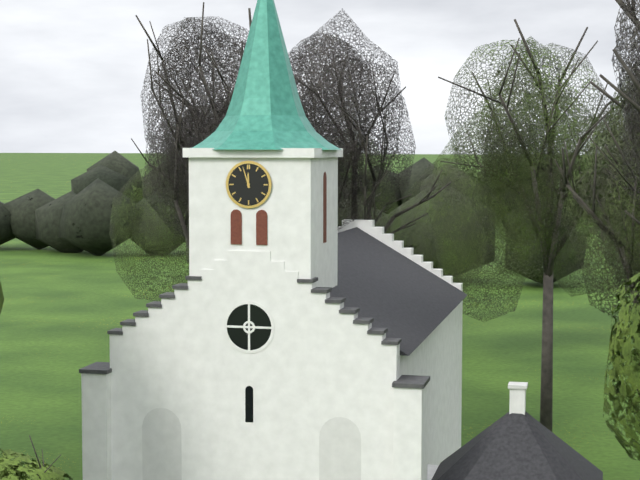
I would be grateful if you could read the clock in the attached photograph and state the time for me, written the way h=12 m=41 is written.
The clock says h=11 m=57
